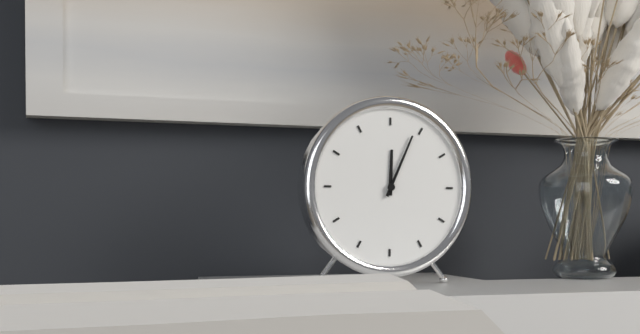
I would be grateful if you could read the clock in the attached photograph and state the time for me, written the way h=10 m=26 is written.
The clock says h=12 m=4
